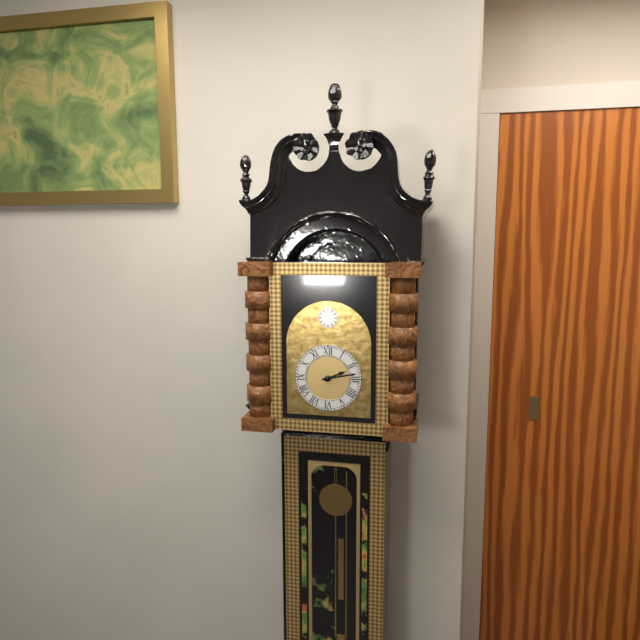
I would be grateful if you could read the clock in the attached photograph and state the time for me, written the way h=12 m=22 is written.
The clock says h=2 m=13
